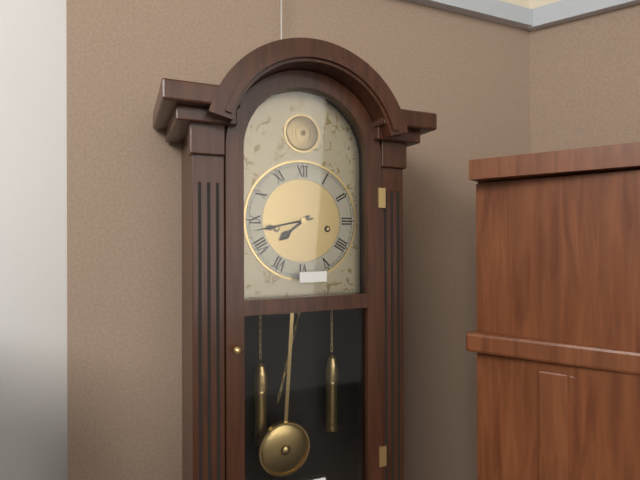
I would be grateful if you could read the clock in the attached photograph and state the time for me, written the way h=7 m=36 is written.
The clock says h=7 m=43
